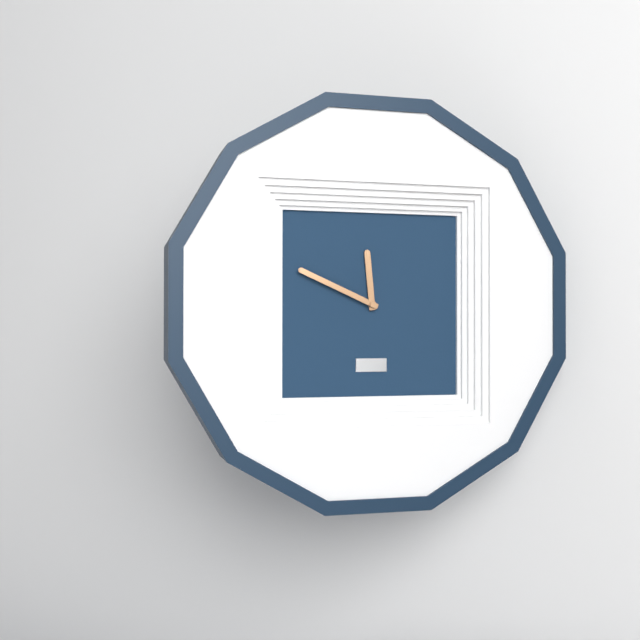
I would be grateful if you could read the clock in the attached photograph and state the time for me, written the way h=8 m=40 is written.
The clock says h=11 m=49
